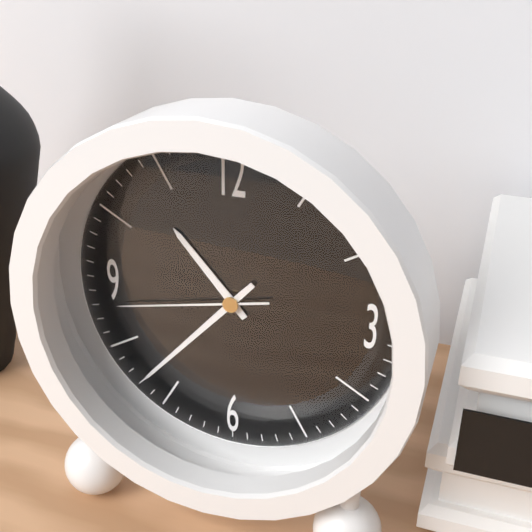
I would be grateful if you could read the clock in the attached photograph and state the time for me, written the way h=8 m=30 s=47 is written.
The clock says h=10 m=37 s=43
